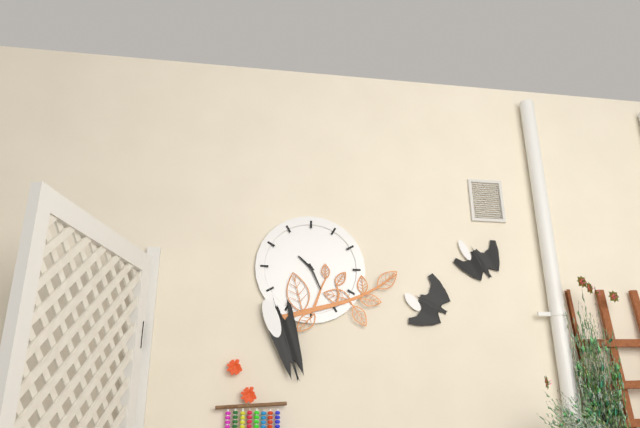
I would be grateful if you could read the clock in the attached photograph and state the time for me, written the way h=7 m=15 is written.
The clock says h=10 m=26
